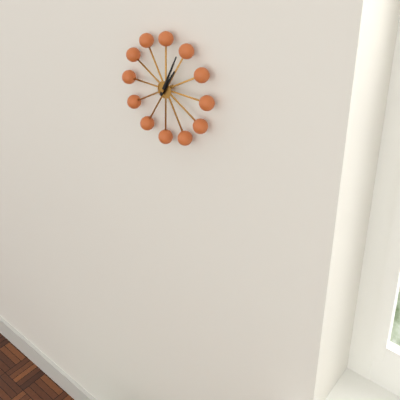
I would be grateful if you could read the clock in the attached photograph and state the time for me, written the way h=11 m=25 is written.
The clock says h=1 m=4
